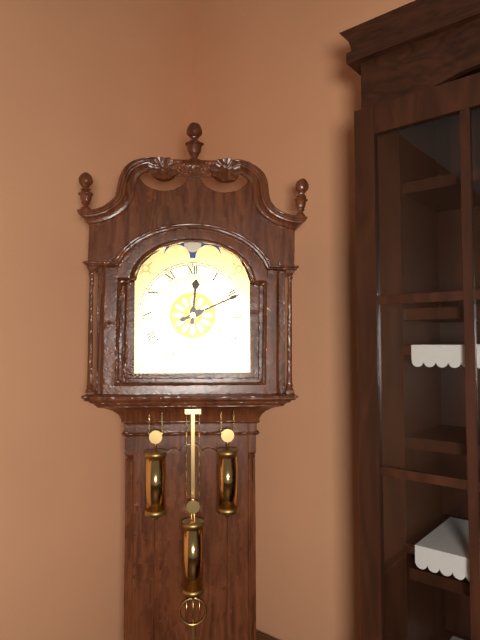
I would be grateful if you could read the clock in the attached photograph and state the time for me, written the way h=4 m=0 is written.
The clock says h=12 m=11
